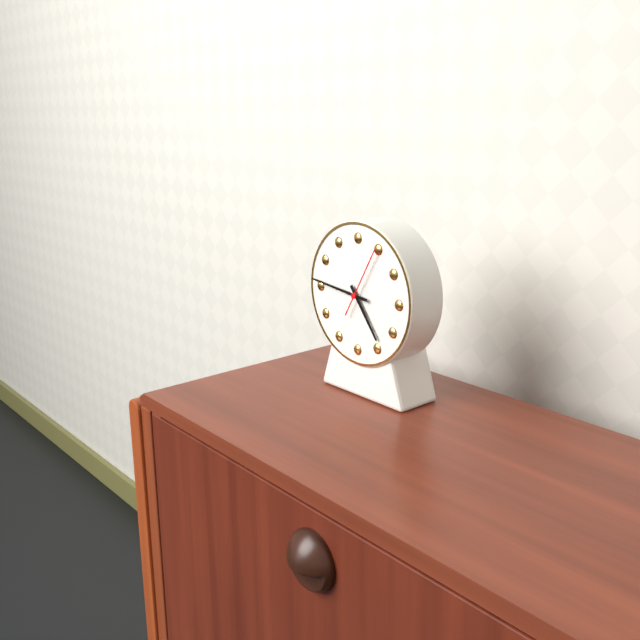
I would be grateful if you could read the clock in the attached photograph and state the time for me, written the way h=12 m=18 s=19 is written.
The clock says h=4 m=46 s=5
